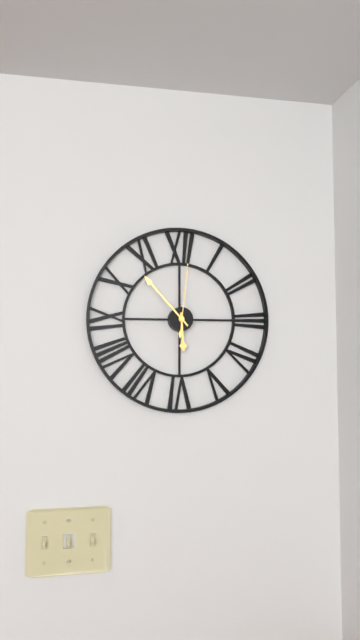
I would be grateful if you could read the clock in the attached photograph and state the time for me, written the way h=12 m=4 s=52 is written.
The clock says h=5 m=53 s=1
